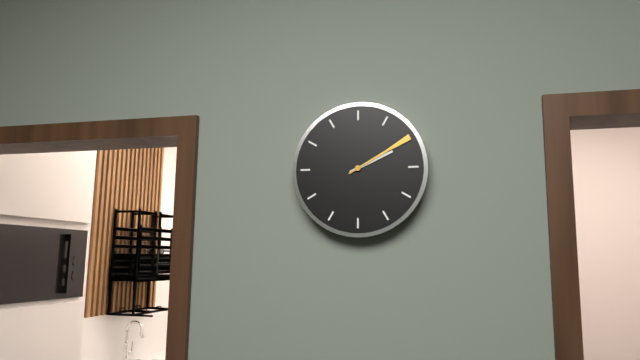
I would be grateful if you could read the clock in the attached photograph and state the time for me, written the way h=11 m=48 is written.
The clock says h=2 m=10
